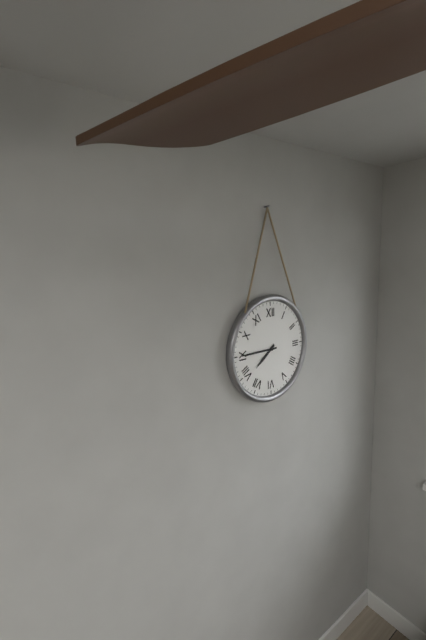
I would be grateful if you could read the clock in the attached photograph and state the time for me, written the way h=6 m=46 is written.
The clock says h=7 m=45
